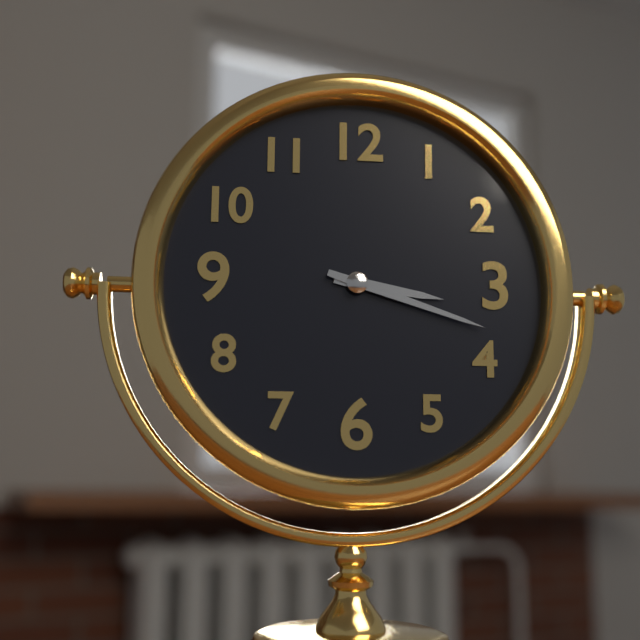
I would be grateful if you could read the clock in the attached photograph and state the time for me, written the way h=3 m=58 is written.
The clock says h=3 m=18
